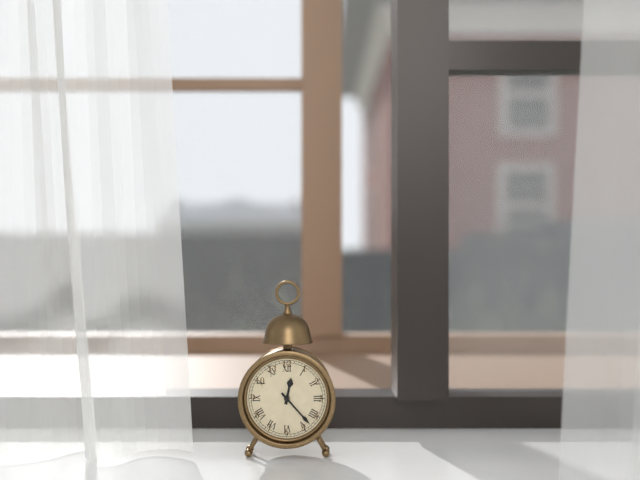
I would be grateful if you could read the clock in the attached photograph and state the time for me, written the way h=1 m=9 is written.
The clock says h=12 m=23
